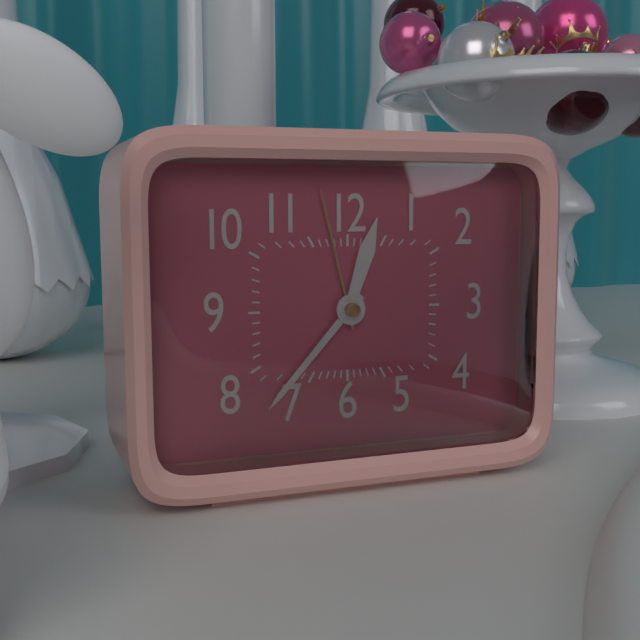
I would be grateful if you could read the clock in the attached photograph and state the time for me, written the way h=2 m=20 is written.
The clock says h=12 m=37
